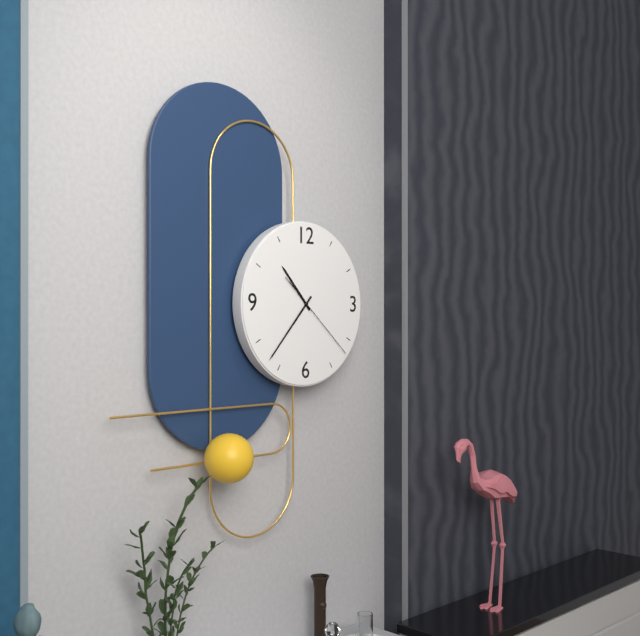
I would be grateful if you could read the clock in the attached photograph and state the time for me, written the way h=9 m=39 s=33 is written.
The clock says h=10 m=37 s=22
